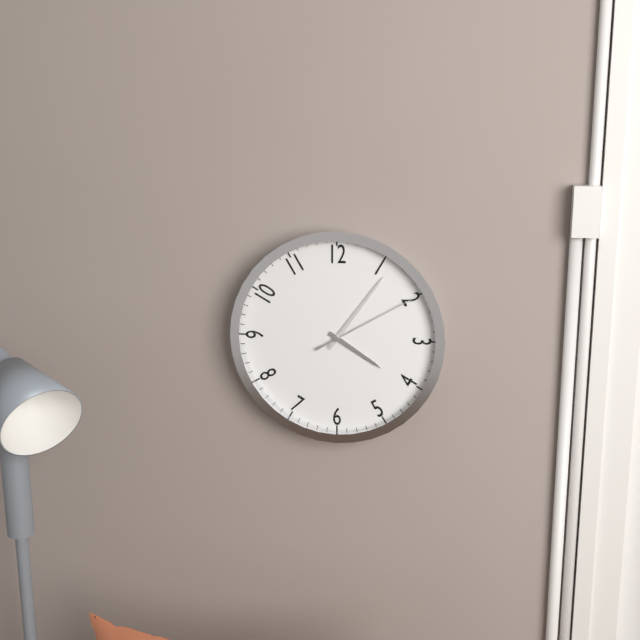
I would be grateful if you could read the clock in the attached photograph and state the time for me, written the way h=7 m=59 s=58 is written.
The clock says h=4 m=6 s=10
